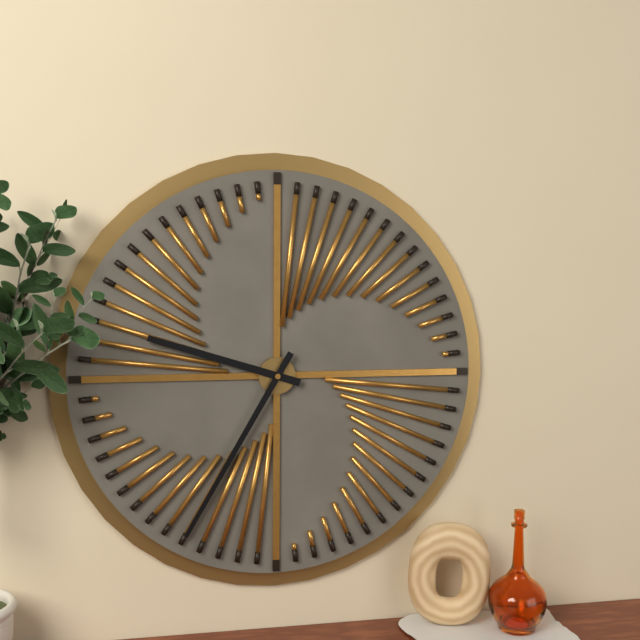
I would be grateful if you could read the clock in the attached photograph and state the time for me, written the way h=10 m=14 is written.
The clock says h=9 m=35
